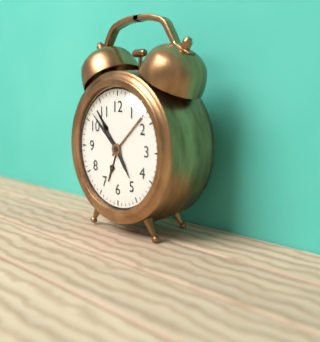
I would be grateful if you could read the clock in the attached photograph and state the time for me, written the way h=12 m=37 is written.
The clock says h=4 m=52
